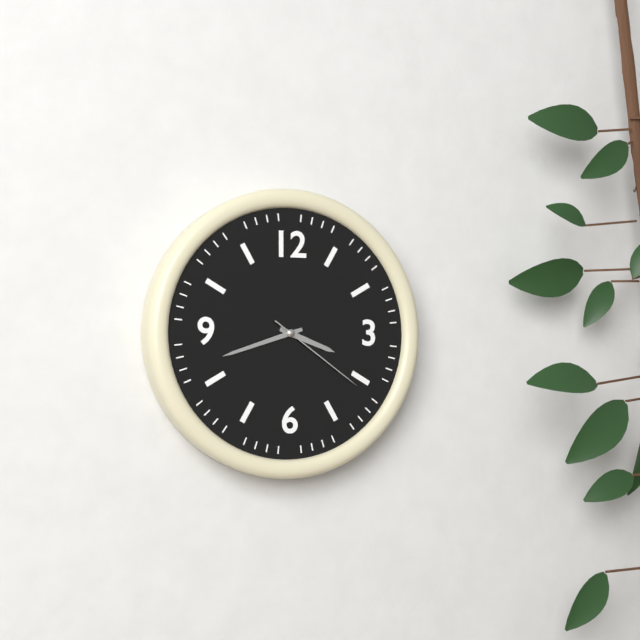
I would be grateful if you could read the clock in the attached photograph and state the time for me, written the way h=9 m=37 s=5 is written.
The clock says h=3 m=42 s=21
